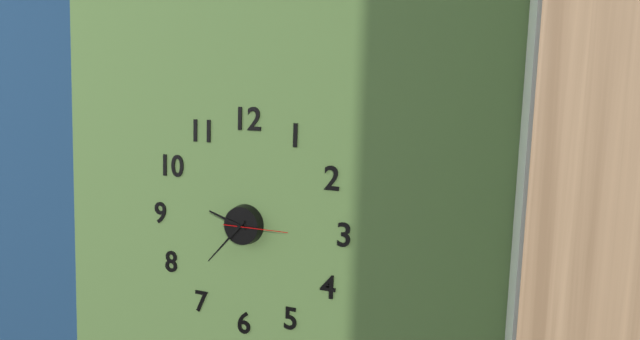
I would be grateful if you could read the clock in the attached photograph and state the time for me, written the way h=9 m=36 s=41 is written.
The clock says h=9 m=37 s=15
